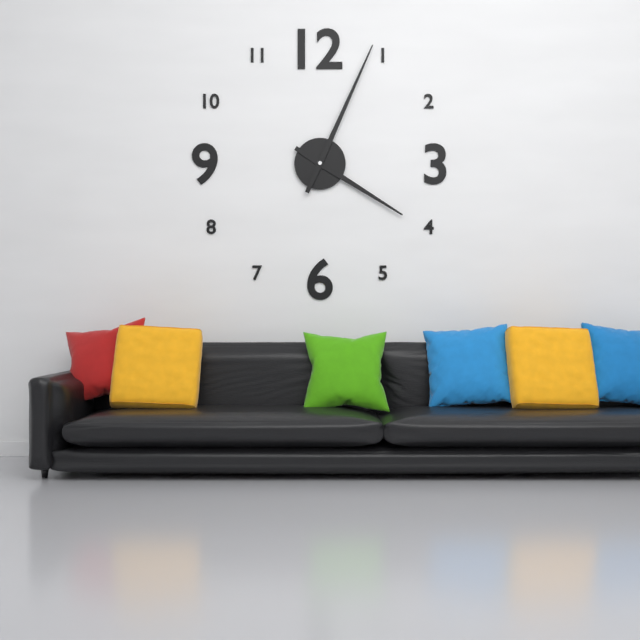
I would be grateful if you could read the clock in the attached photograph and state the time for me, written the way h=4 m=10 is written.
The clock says h=4 m=4
